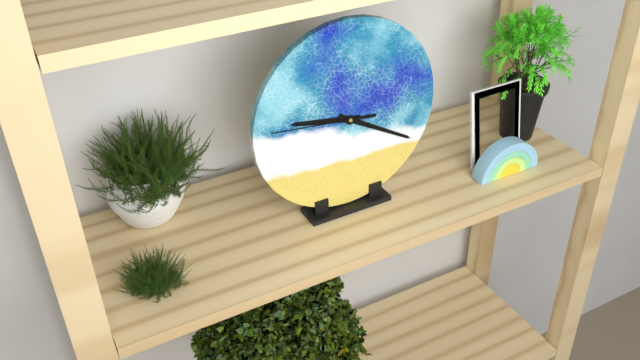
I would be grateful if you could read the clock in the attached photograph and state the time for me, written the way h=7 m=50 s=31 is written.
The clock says h=9 m=20 s=46
